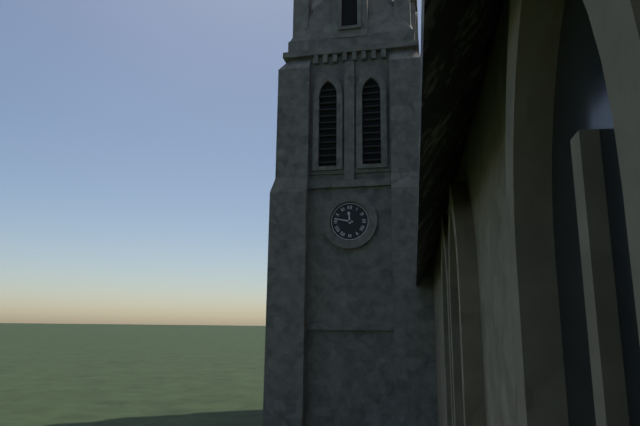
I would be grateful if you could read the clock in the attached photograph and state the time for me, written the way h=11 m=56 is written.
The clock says h=11 m=47
